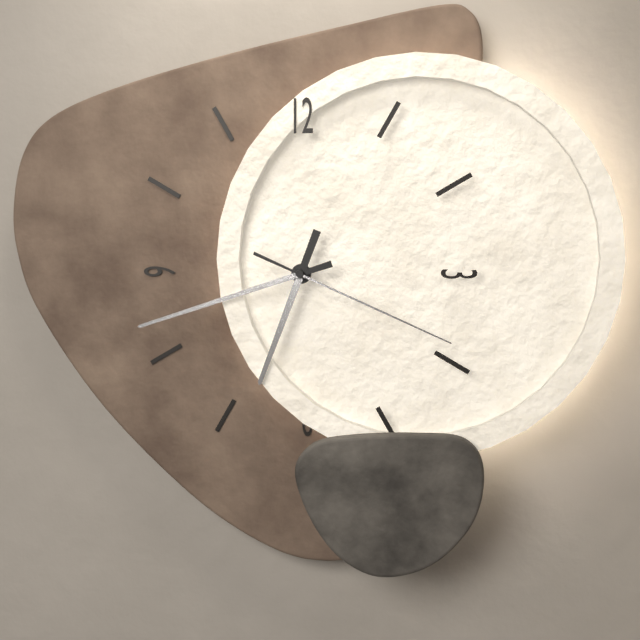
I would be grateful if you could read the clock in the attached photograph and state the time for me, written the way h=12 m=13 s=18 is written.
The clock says h=6 m=42 s=19
